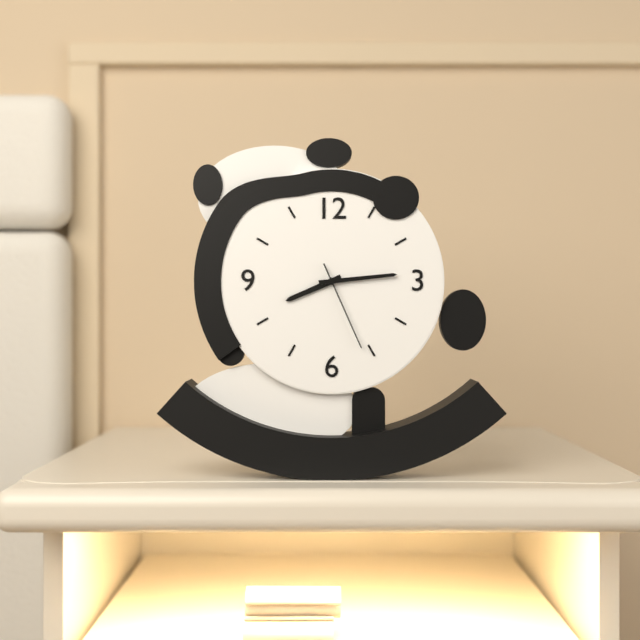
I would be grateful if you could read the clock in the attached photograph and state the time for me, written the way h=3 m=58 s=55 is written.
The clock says h=8 m=14 s=26
